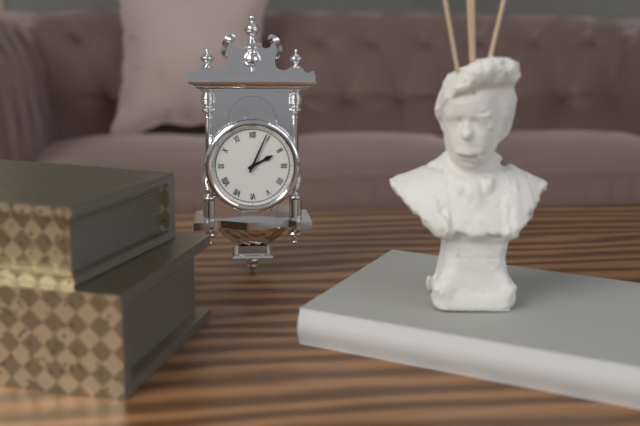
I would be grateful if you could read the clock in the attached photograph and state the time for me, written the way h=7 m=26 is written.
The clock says h=2 m=4
